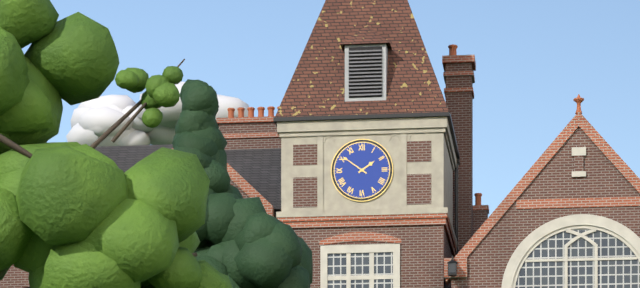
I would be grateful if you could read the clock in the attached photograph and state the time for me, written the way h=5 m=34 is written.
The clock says h=1 m=51
